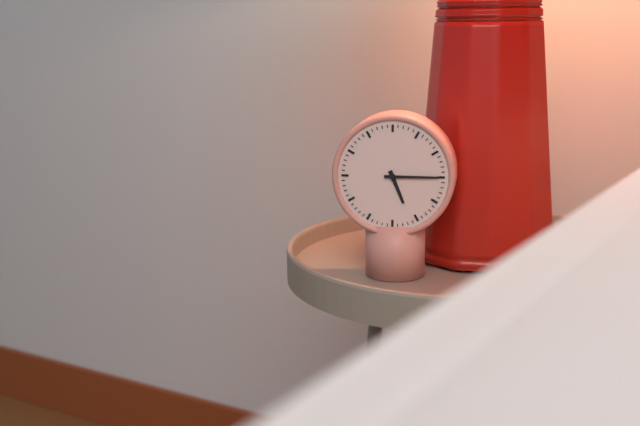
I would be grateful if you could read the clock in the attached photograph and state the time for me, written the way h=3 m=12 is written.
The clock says h=5 m=15
